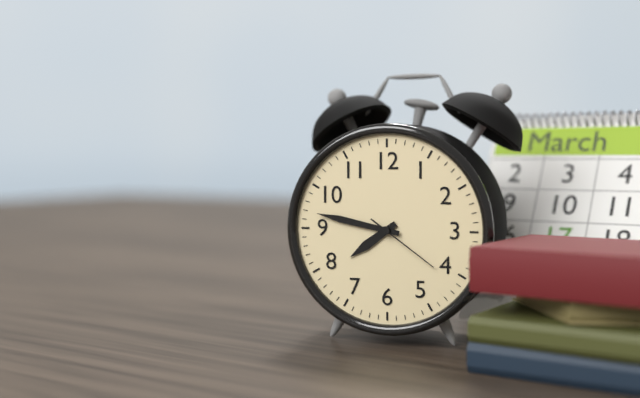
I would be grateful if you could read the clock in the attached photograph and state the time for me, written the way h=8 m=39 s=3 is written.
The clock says h=7 m=47 s=21
